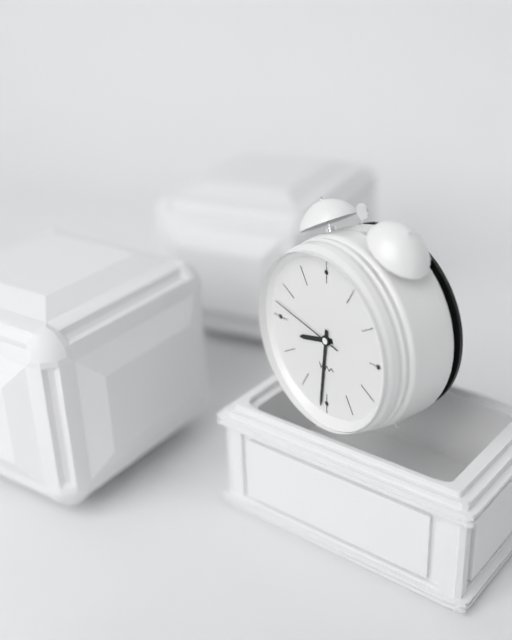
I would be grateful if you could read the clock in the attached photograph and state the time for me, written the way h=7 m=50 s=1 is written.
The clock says h=8 m=31 s=47
